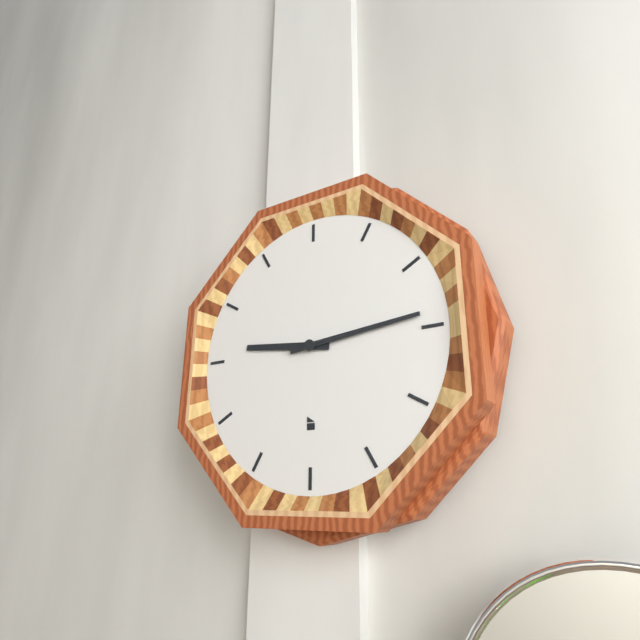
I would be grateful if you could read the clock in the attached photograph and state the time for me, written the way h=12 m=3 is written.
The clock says h=9 m=14
